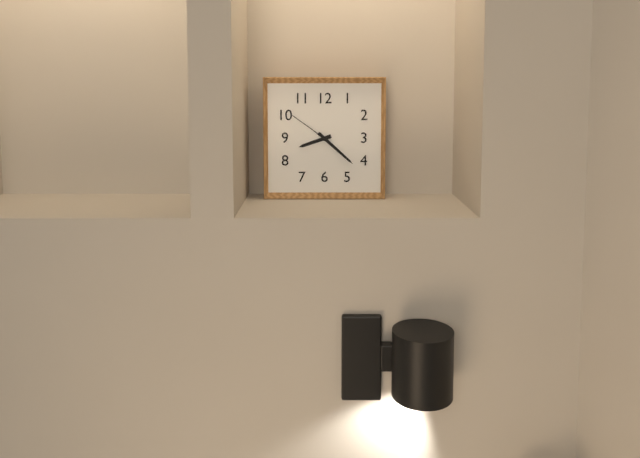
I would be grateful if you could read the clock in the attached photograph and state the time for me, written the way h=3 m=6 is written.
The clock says h=8 m=22
